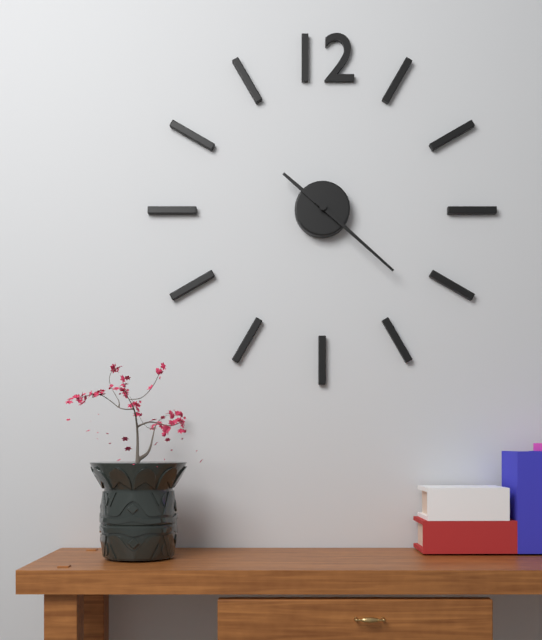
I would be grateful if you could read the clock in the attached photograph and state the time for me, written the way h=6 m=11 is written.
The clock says h=10 m=22
